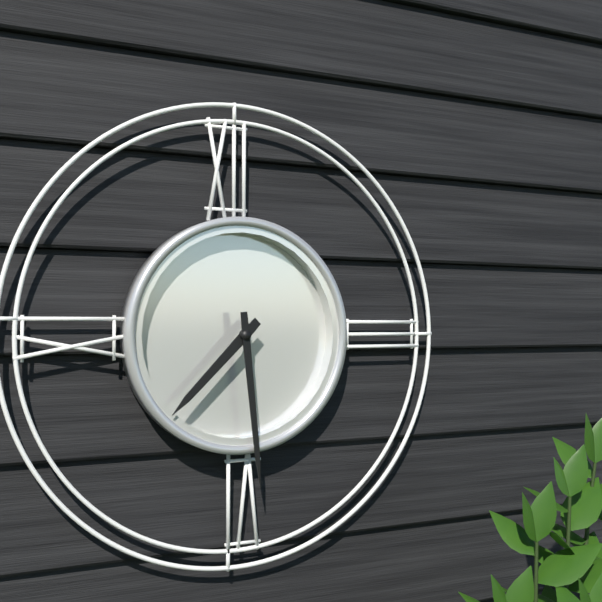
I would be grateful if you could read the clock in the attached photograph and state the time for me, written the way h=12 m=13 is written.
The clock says h=7 m=29
